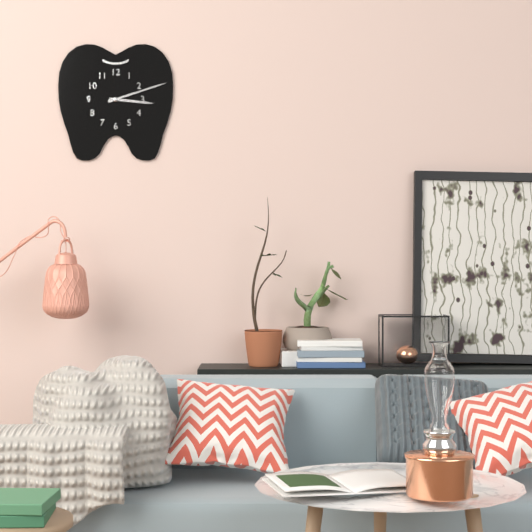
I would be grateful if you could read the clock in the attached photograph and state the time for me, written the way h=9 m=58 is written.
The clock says h=3 m=12
